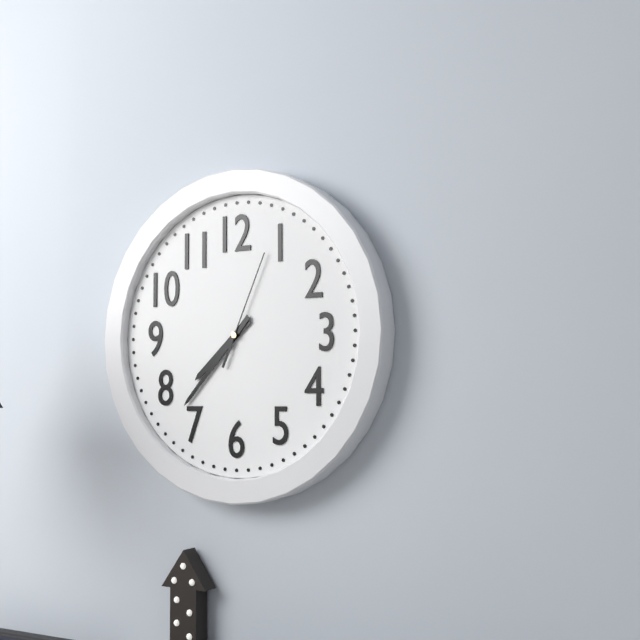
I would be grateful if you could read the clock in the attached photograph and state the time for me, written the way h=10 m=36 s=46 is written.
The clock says h=7 m=37 s=4
